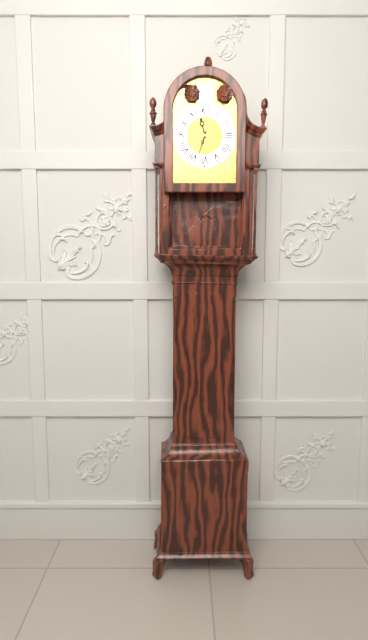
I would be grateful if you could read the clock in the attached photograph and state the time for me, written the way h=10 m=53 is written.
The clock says h=11 m=33
